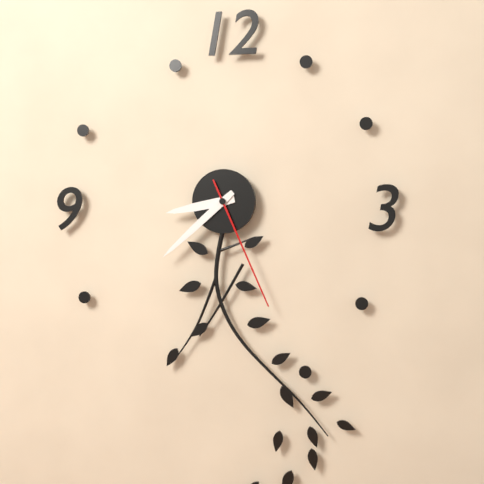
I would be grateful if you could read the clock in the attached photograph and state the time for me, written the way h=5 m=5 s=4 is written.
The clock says h=8 m=38 s=26
